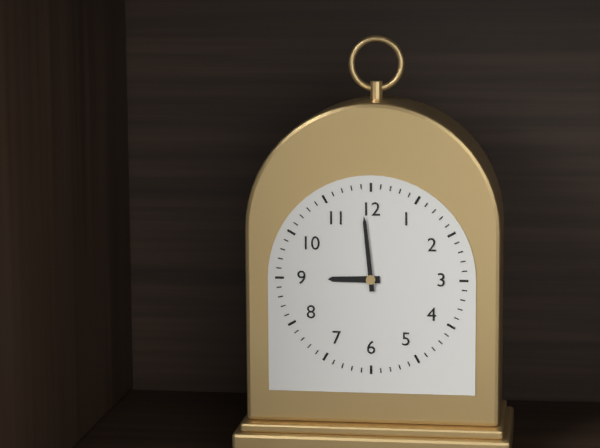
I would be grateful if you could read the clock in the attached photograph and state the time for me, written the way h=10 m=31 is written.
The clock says h=8 m=59
